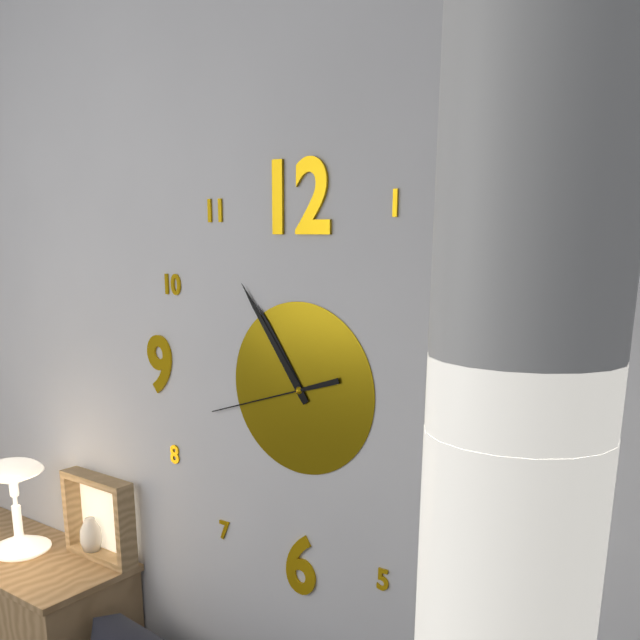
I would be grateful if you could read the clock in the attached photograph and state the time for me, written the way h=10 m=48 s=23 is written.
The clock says h=10 m=54 s=42
